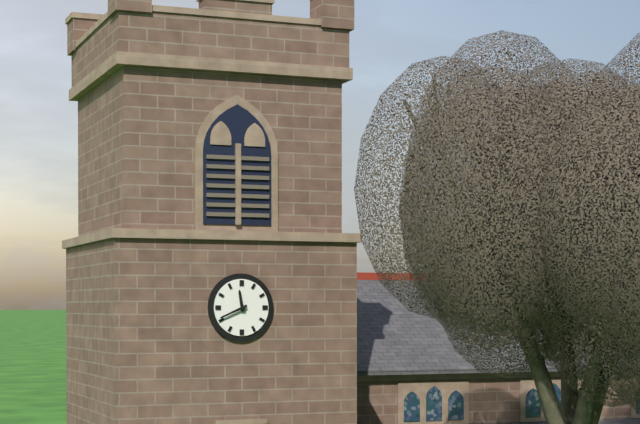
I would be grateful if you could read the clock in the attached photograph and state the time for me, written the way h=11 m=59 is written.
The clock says h=11 m=41
